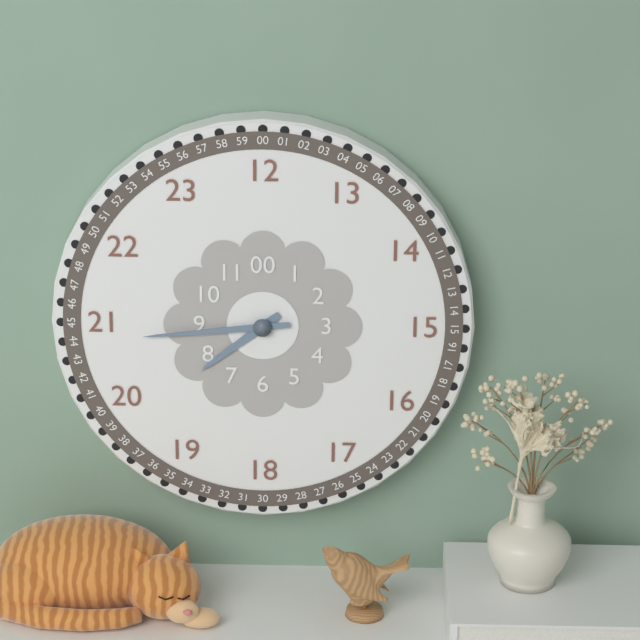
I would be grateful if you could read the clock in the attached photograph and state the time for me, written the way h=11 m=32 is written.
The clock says h=7 m=44
